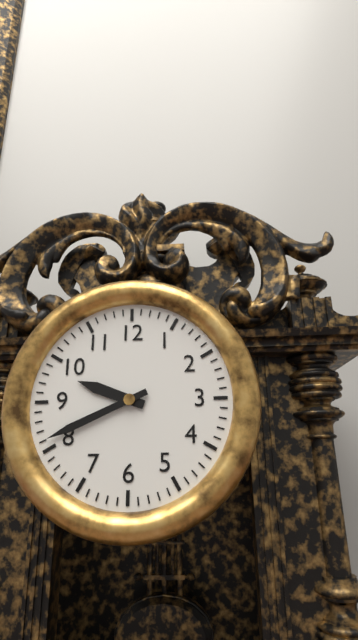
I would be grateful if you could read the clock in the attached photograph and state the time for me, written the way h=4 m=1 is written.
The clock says h=9 m=41
